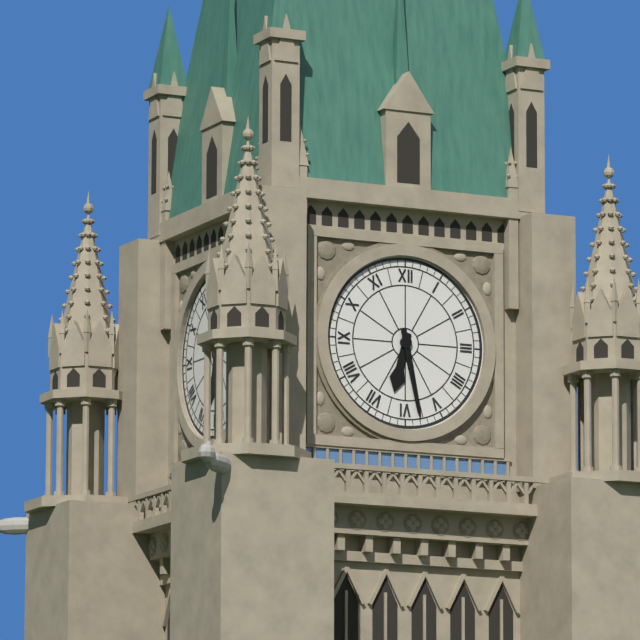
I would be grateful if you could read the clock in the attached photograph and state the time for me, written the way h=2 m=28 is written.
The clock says h=6 m=28
